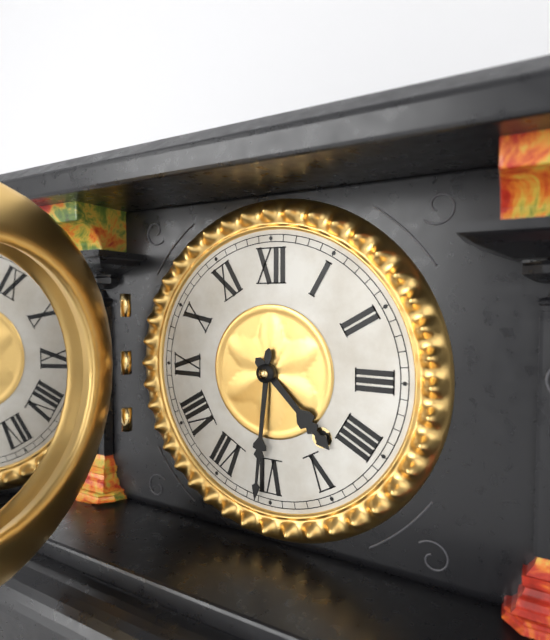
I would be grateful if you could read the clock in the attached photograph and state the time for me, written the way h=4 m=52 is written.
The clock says h=4 m=31
